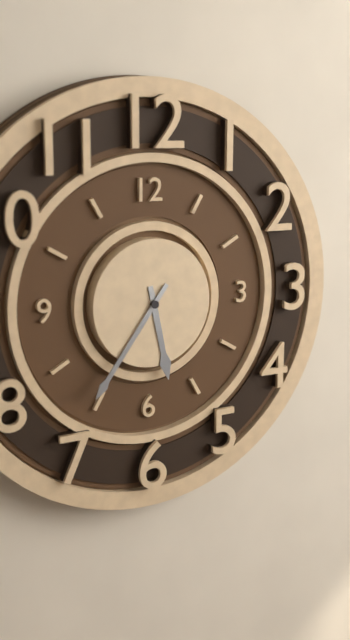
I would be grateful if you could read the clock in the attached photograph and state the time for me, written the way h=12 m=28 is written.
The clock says h=5 m=36
